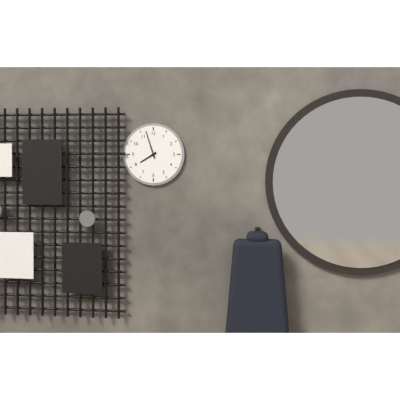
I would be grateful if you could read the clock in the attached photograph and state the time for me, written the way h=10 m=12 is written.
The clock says h=7 m=57
